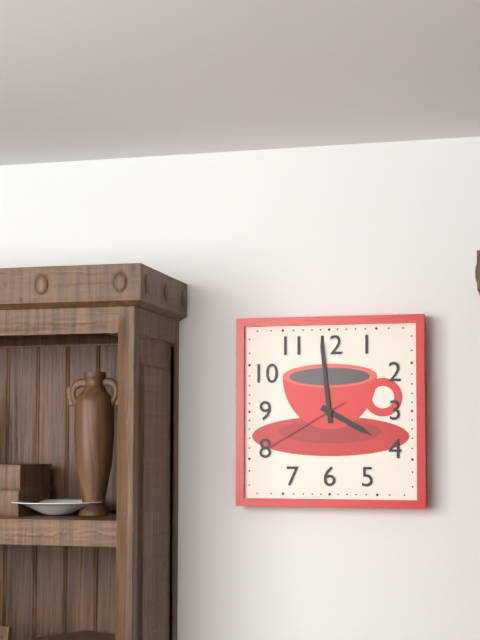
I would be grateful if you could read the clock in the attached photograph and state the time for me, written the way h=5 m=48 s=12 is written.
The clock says h=3 m=59 s=40
